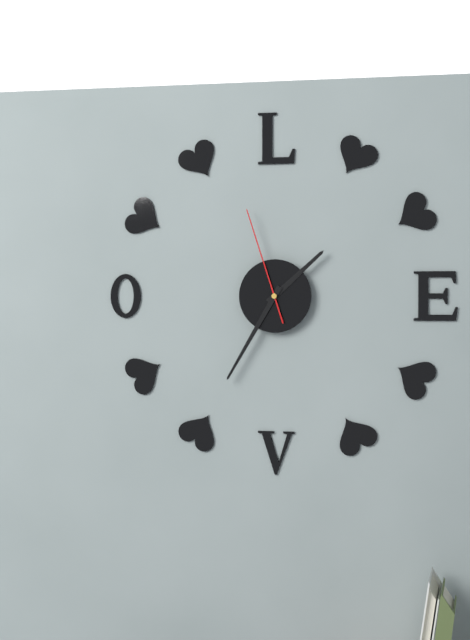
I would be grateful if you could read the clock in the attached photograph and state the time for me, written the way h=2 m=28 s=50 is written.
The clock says h=1 m=35 s=57
